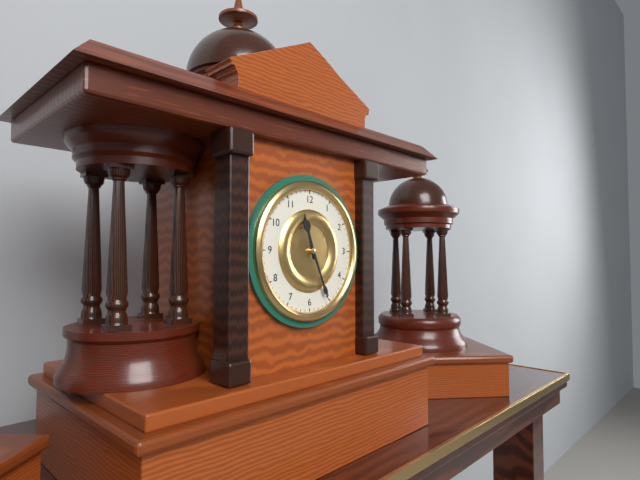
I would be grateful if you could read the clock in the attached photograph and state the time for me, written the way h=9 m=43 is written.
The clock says h=11 m=26
